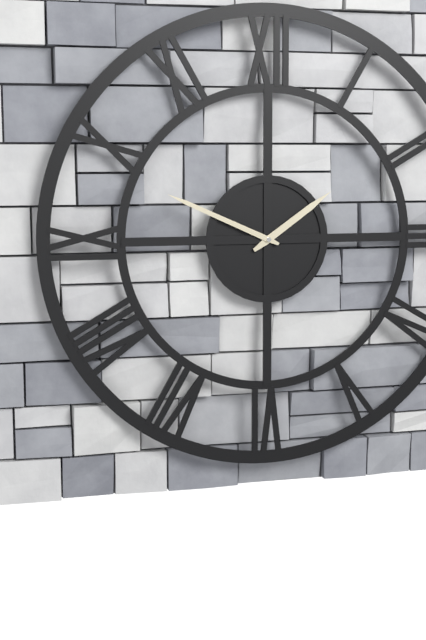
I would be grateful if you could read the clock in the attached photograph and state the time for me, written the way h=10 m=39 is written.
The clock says h=1 m=49
